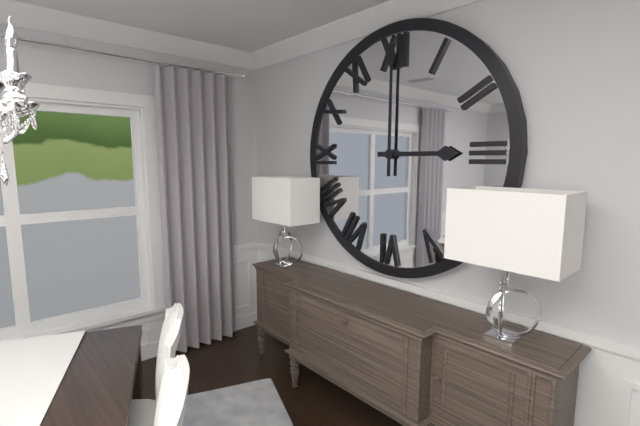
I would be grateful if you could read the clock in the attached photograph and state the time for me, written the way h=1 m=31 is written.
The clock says h=3 m=0
